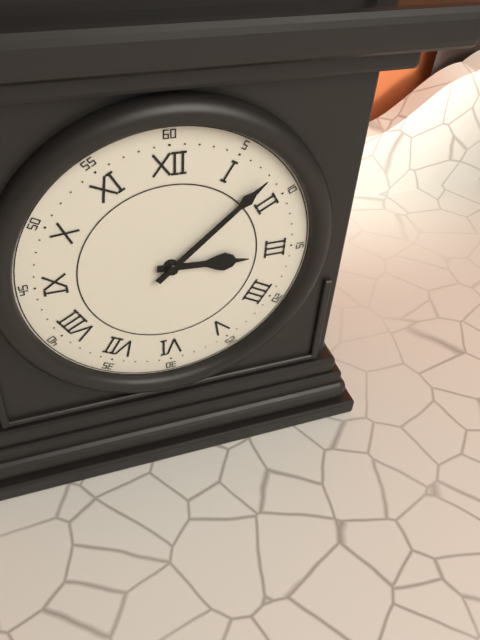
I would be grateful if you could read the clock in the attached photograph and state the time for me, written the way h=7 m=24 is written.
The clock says h=3 m=8
